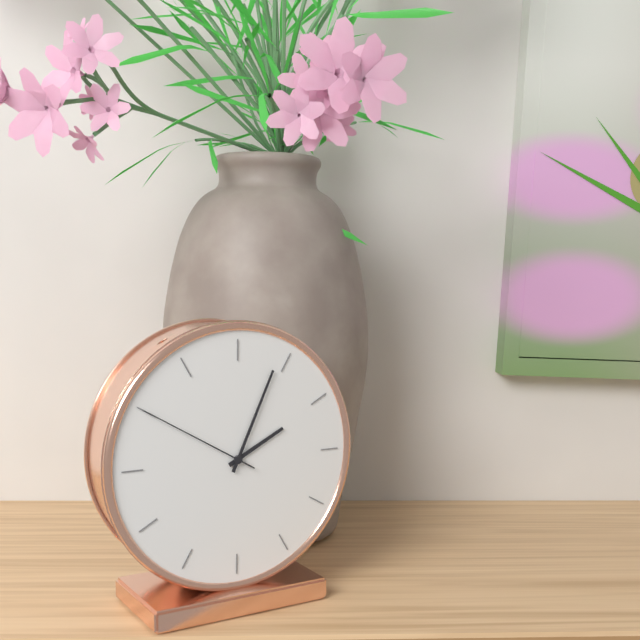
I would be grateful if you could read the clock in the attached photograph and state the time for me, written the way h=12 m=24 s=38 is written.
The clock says h=2 m=4 s=50
